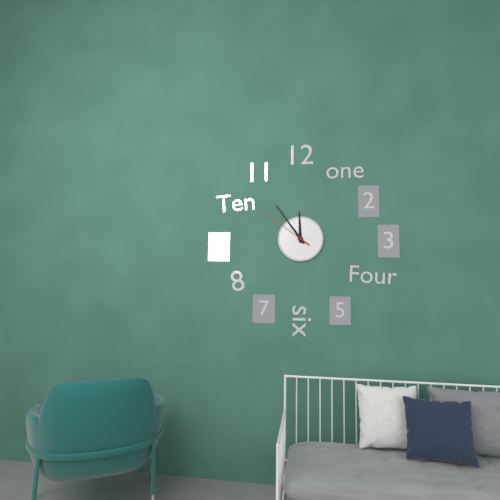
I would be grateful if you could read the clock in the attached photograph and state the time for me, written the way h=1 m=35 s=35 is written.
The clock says h=11 m=54 s=51
